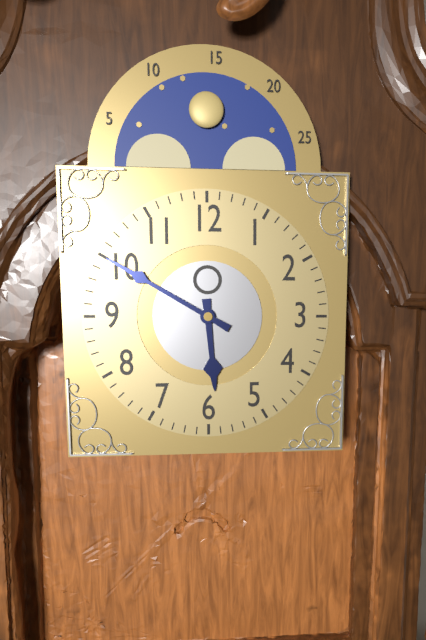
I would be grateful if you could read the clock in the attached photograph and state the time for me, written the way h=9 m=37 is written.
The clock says h=5 m=50
